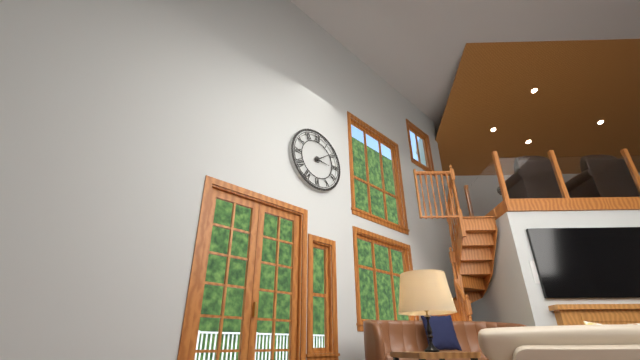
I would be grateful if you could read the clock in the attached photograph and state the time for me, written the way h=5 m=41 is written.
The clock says h=3 m=9
